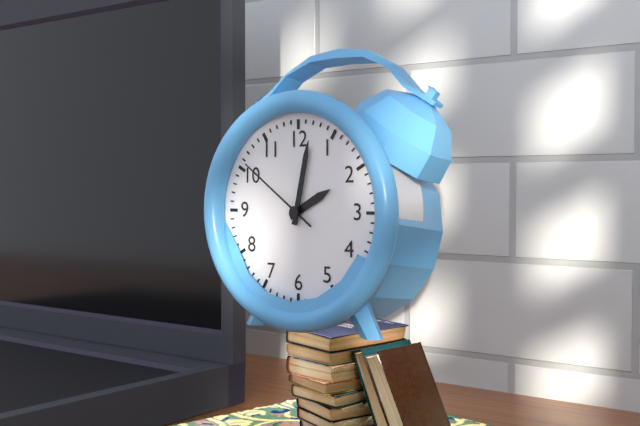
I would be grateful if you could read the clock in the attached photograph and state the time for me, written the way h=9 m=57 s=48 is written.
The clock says h=2 m=2 s=51
